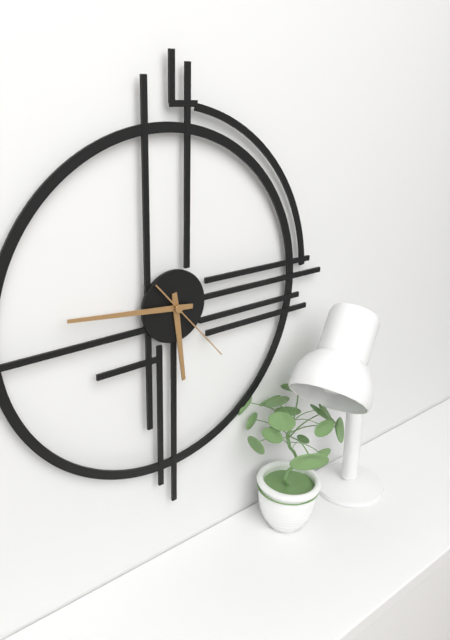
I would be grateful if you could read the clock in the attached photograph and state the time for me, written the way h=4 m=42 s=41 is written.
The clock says h=5 m=46 s=23
